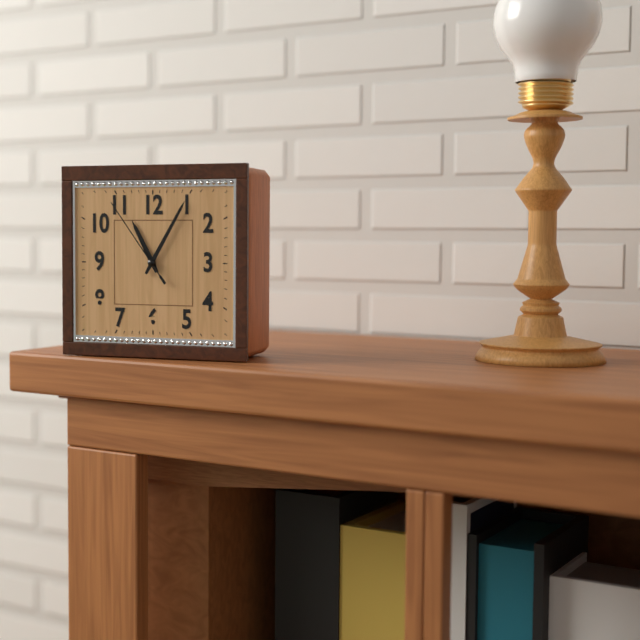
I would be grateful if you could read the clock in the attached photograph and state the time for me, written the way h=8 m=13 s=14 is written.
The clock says h=11 m=5 s=54
